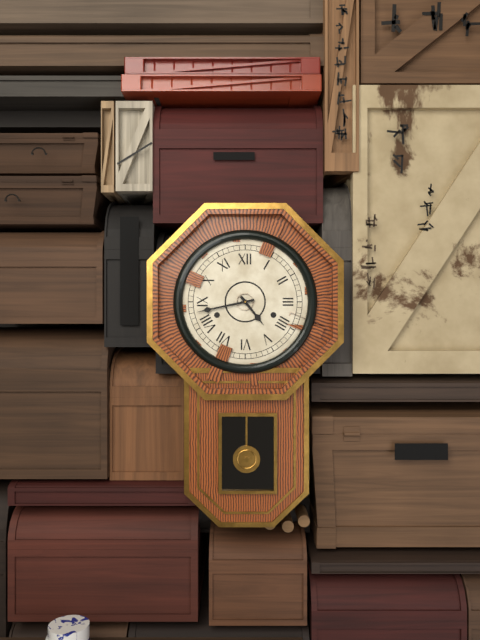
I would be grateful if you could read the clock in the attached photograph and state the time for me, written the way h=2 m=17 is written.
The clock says h=4 m=43
